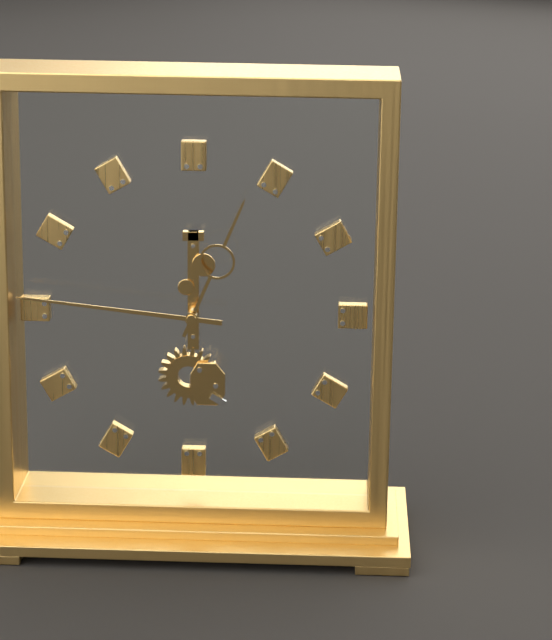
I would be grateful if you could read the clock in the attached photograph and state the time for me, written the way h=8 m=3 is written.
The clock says h=12 m=46
